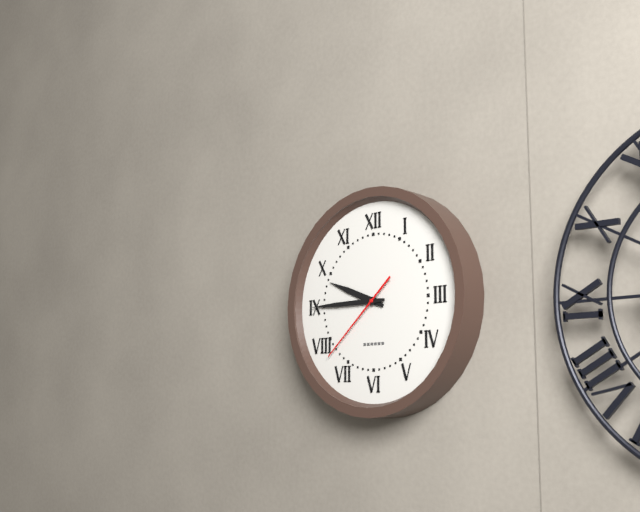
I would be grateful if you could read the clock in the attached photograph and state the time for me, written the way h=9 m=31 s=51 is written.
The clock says h=9 m=45 s=38
